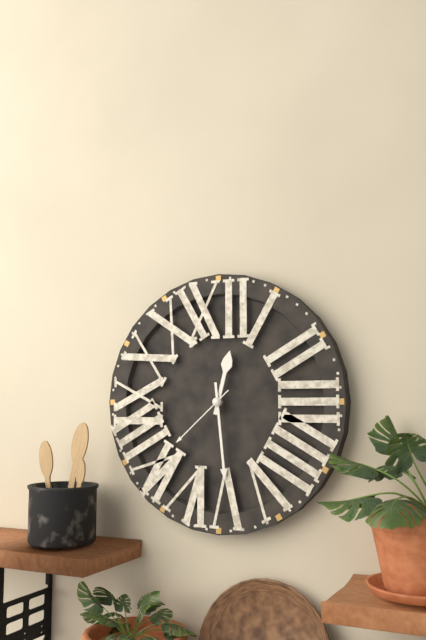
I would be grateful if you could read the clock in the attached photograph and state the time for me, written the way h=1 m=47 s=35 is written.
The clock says h=12 m=29 s=38
